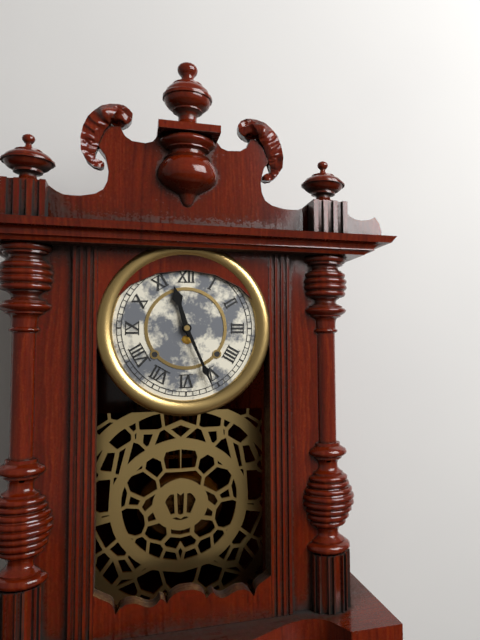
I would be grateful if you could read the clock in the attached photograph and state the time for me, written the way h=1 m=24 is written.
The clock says h=11 m=26
